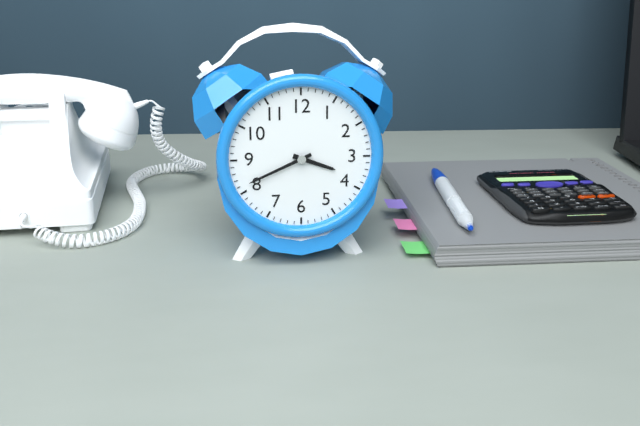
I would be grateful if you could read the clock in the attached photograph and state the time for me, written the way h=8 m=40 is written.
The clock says h=3 m=41
